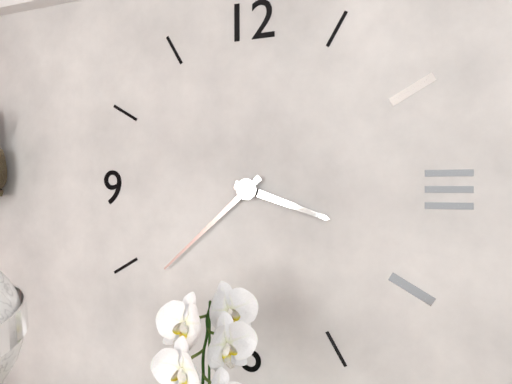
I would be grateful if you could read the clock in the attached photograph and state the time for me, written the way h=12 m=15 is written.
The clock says h=3 m=38
